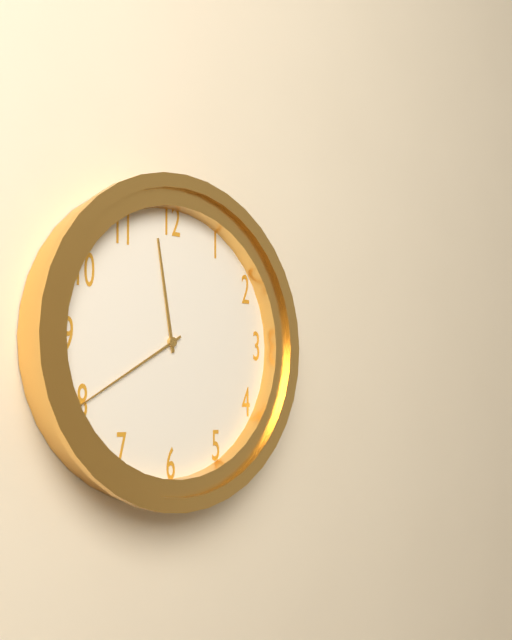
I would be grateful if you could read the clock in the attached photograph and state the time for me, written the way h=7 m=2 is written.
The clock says h=11 m=40
